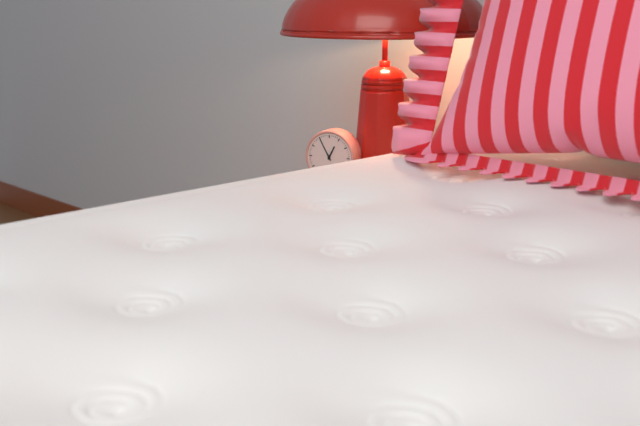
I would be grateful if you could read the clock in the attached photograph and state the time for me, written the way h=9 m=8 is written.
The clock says h=12 m=55
